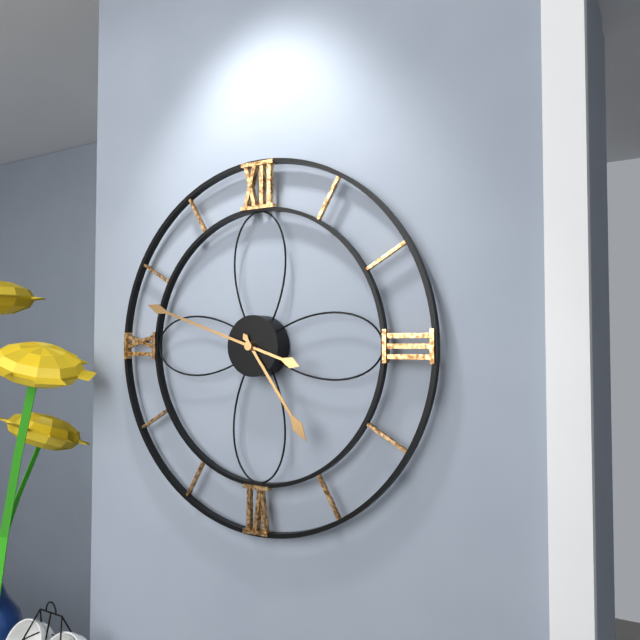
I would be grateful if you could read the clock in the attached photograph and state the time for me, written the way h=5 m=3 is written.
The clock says h=4 m=48
